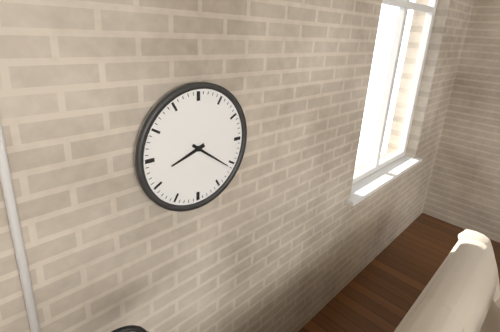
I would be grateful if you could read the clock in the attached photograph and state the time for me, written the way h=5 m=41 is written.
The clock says h=8 m=21
